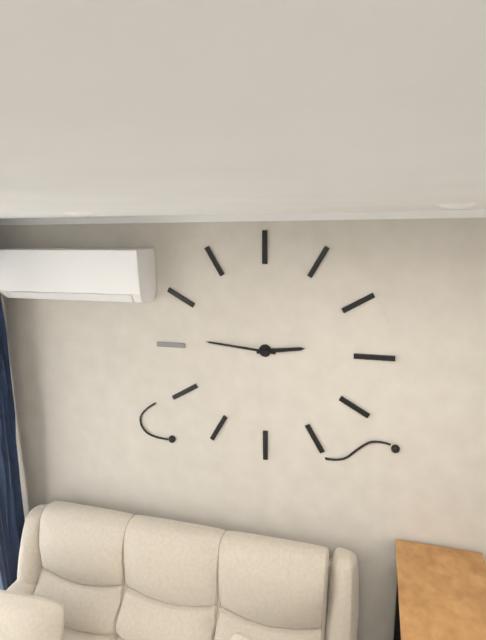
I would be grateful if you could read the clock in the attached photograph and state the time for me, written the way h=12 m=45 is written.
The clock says h=2 m=46
